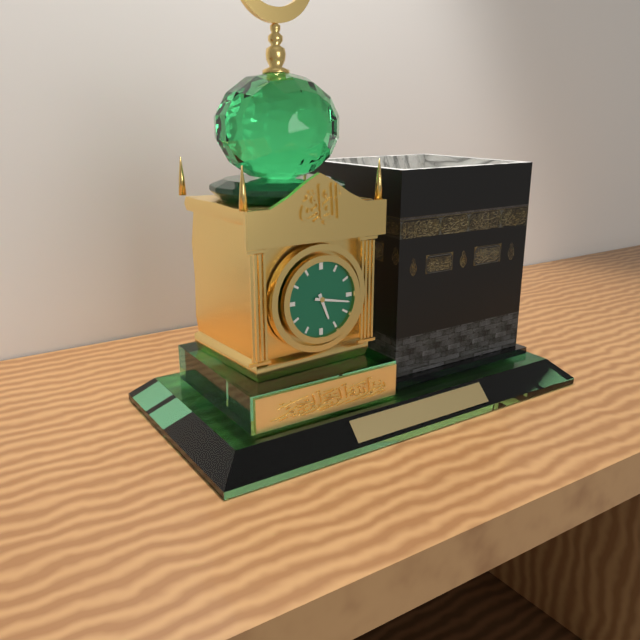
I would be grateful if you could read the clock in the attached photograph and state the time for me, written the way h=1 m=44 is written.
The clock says h=5 m=17
